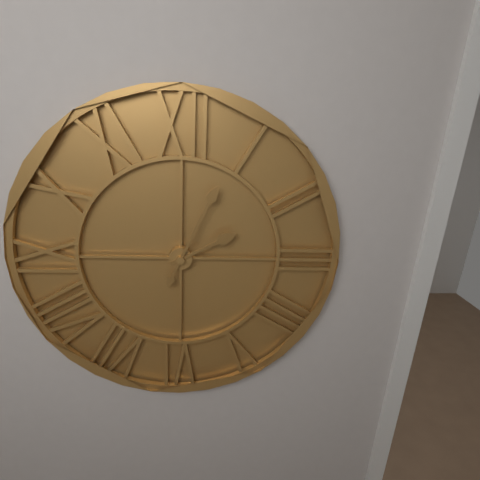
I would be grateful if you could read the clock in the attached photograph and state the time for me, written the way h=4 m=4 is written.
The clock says h=2 m=4
